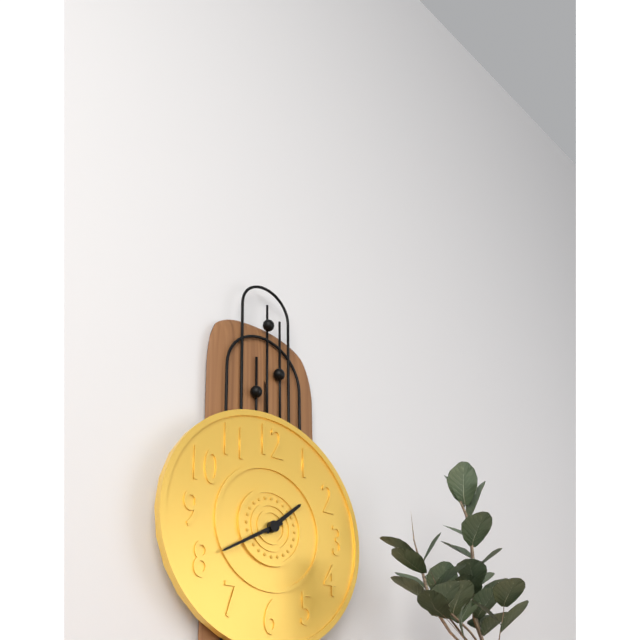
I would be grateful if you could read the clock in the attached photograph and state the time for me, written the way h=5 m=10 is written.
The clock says h=1 m=40
